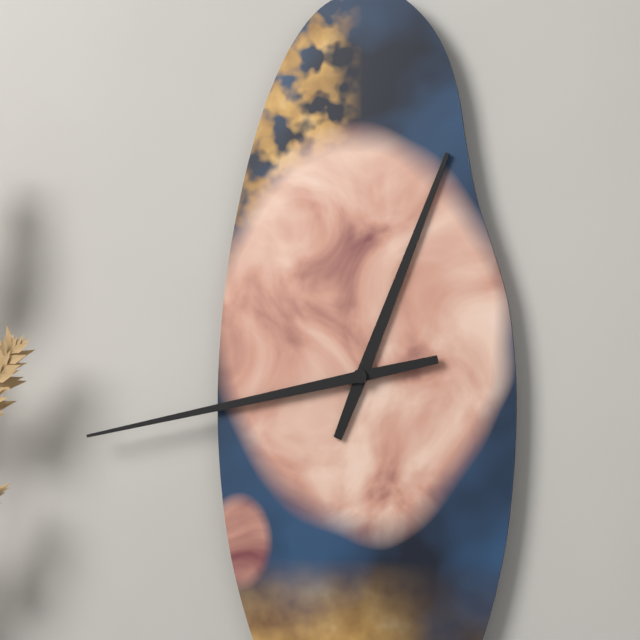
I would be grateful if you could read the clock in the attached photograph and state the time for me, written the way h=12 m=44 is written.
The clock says h=12 m=43
